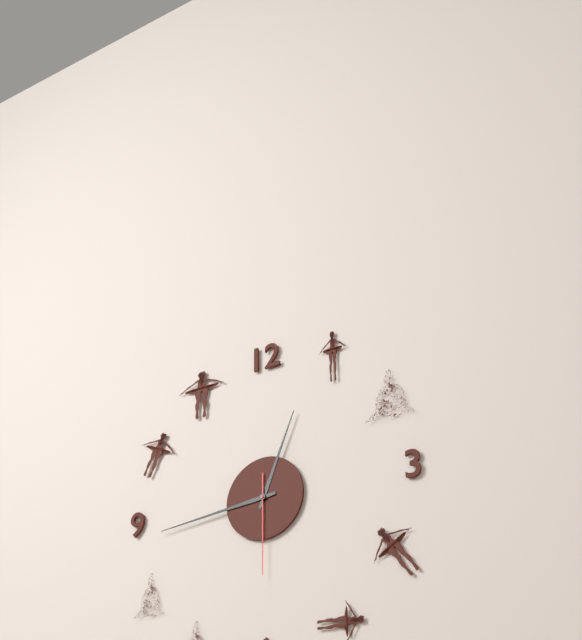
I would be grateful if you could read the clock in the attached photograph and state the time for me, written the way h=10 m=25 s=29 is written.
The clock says h=12 m=44 s=30
